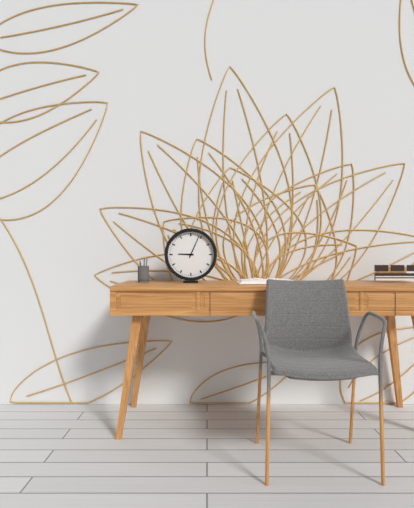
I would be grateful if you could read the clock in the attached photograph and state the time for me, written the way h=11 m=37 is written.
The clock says h=9 m=4
